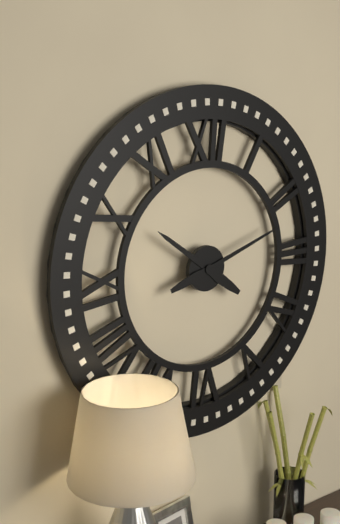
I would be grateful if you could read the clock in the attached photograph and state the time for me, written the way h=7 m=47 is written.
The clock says h=10 m=12
